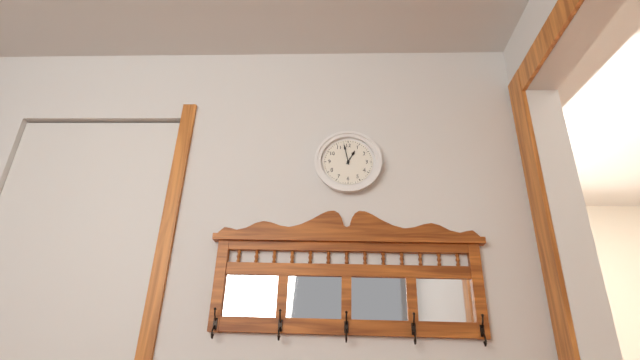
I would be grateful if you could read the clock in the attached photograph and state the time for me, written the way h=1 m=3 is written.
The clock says h=12 m=58
